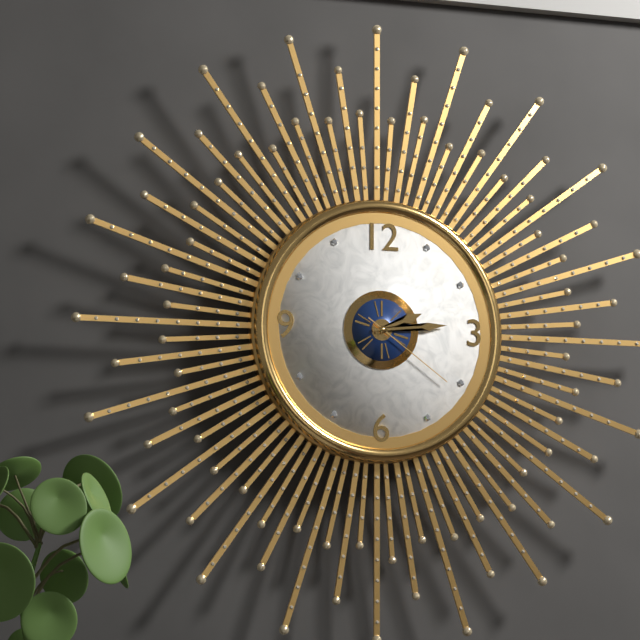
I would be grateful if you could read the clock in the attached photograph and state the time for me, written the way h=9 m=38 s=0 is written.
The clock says h=2 m=14 s=21
